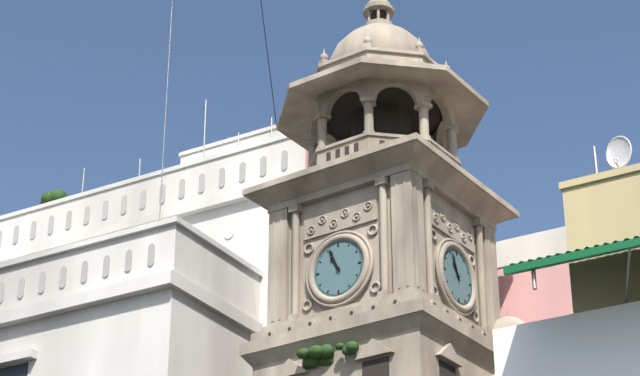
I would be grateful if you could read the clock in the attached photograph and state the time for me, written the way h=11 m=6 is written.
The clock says h=10 m=56
